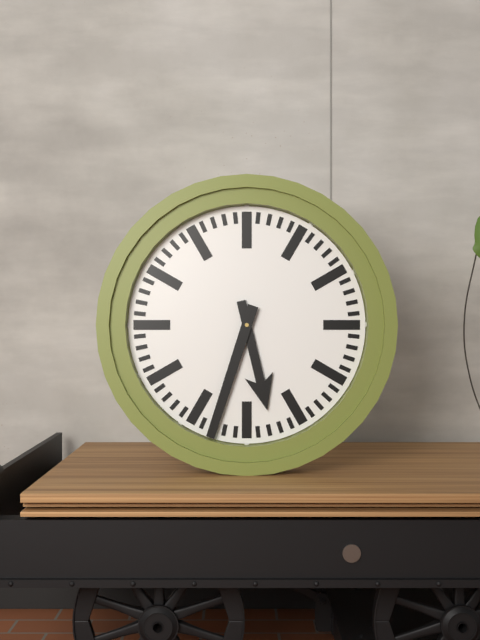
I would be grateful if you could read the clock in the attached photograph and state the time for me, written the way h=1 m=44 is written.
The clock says h=5 m=33
